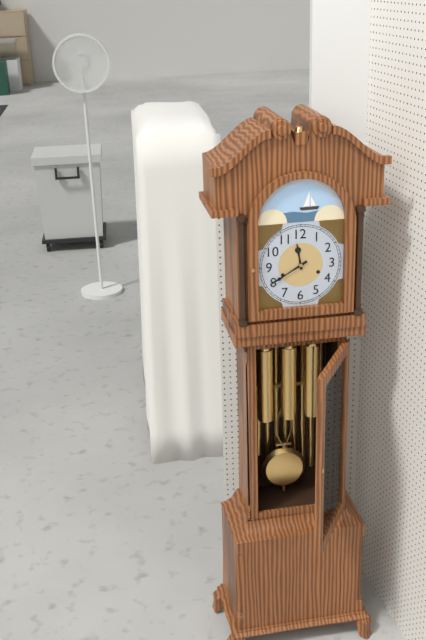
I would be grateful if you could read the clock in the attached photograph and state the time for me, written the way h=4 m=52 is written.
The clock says h=11 m=40
